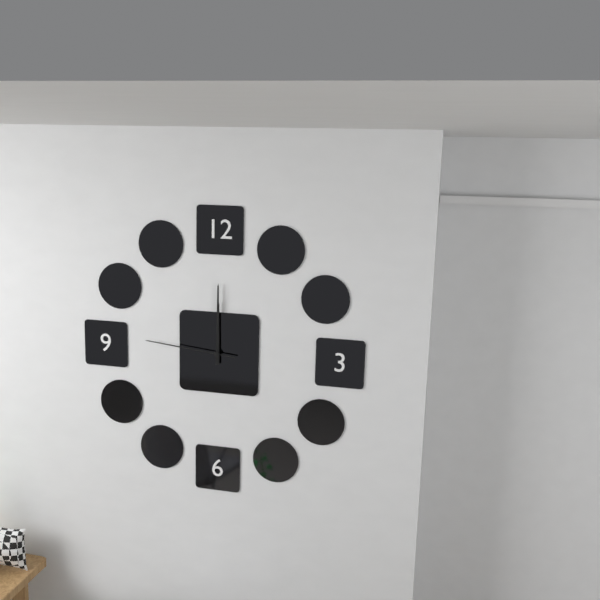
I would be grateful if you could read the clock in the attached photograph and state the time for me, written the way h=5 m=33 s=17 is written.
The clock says h=12 m=0 s=46
